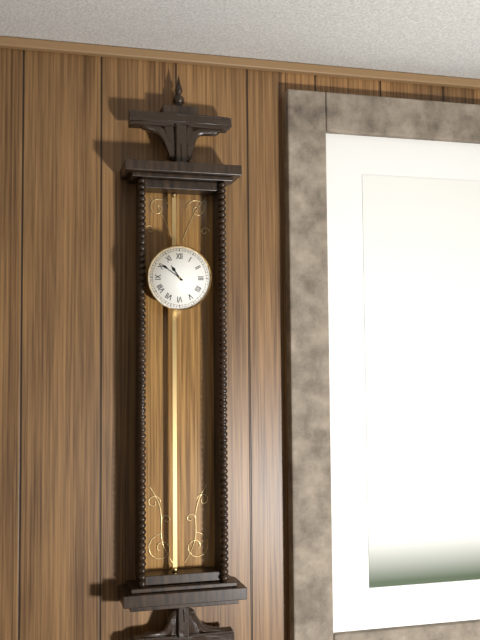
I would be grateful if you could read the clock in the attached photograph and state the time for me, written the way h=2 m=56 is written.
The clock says h=10 m=51
